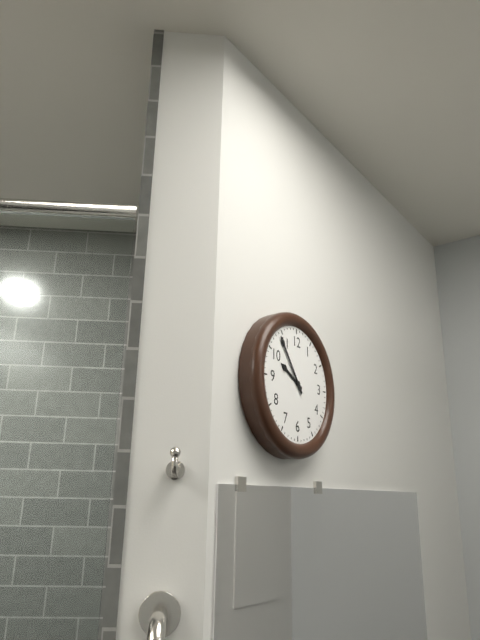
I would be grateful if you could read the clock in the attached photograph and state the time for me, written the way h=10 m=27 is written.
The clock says h=9 m=54
